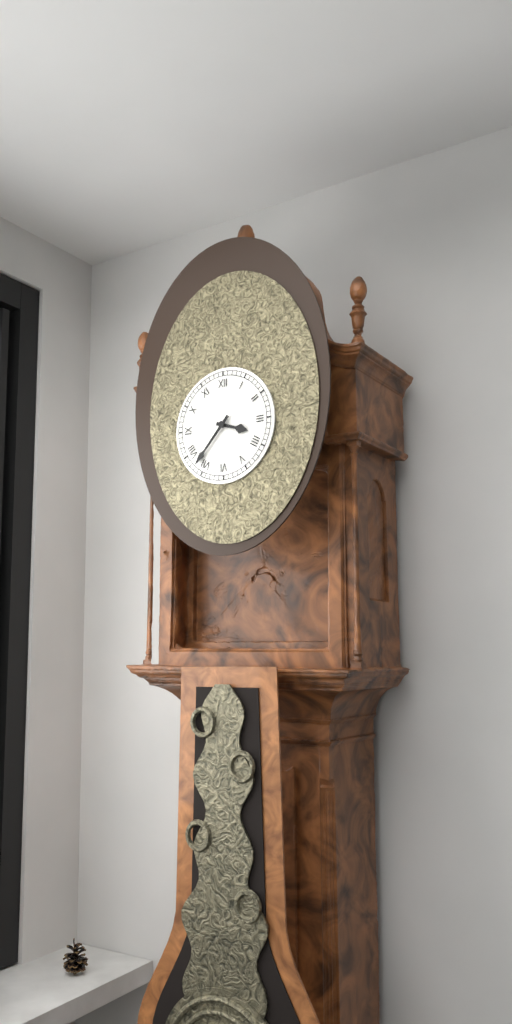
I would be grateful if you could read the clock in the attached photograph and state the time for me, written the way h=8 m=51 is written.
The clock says h=3 m=37
